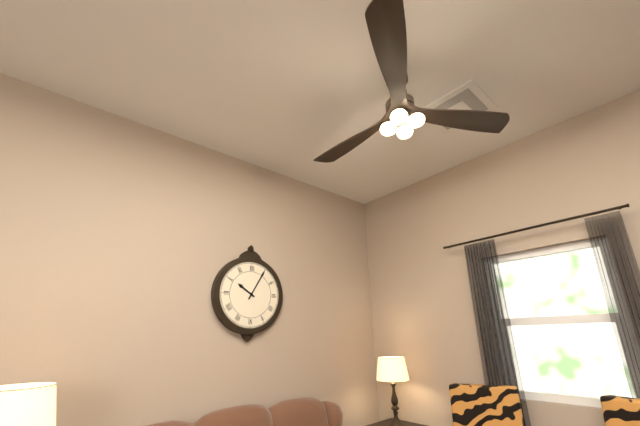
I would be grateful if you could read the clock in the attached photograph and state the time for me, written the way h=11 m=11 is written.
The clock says h=10 m=5
